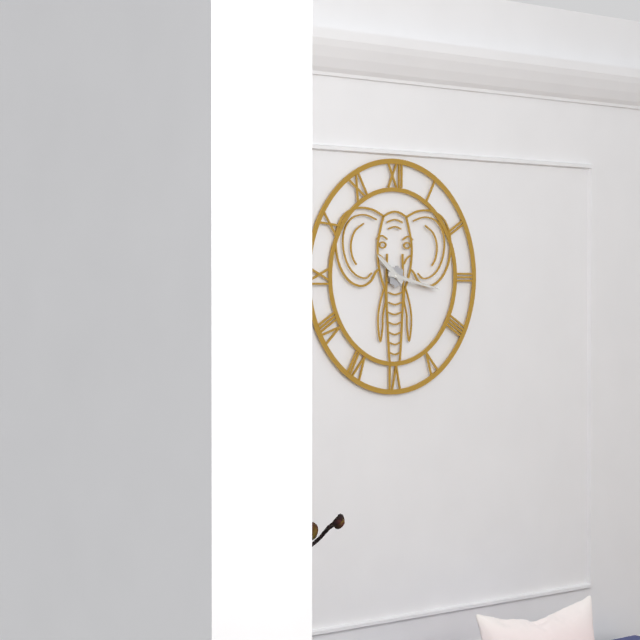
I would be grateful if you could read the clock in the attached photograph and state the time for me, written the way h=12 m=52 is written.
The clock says h=10 m=17
